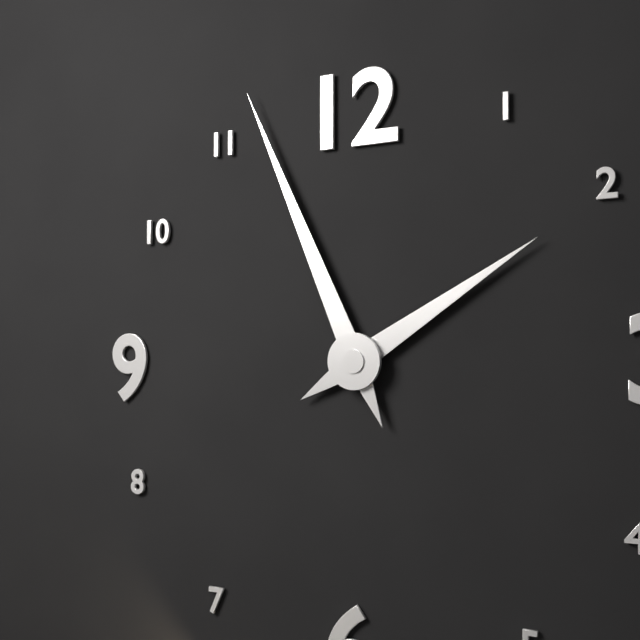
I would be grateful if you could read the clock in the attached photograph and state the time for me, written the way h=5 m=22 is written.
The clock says h=1 m=56
